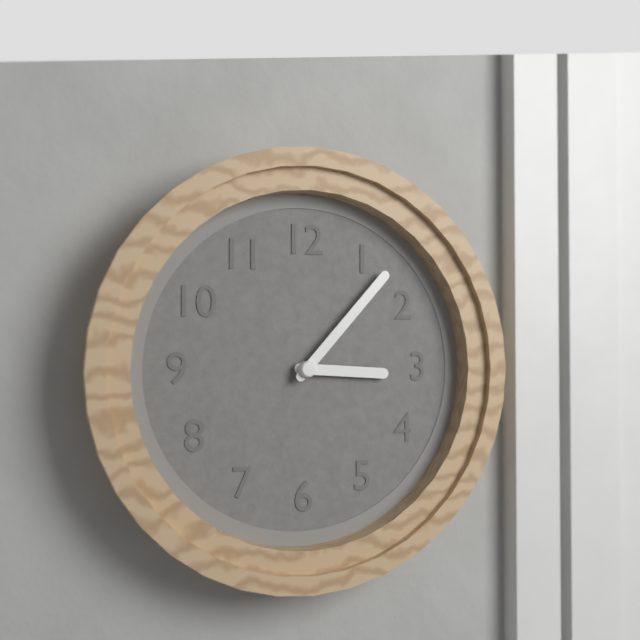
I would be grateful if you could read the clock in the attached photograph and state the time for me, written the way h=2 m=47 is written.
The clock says h=3 m=7
